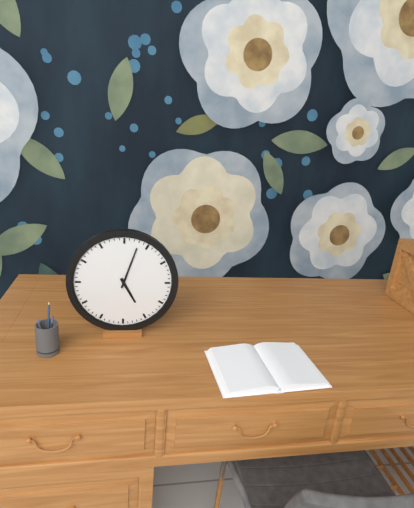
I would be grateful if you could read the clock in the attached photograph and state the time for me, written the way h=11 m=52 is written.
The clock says h=5 m=3
